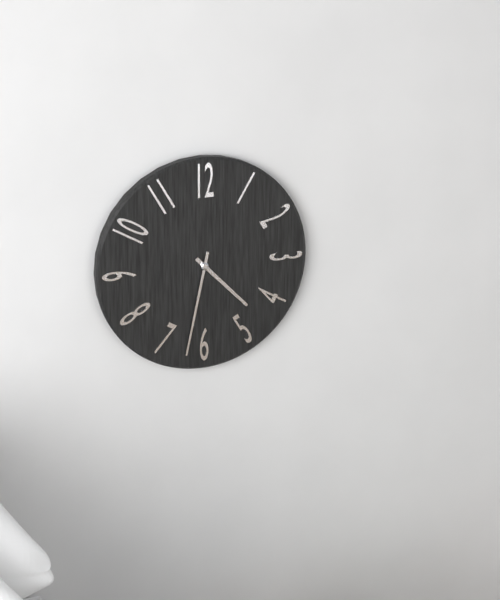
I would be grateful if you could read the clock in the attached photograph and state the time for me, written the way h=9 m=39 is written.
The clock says h=4 m=32
